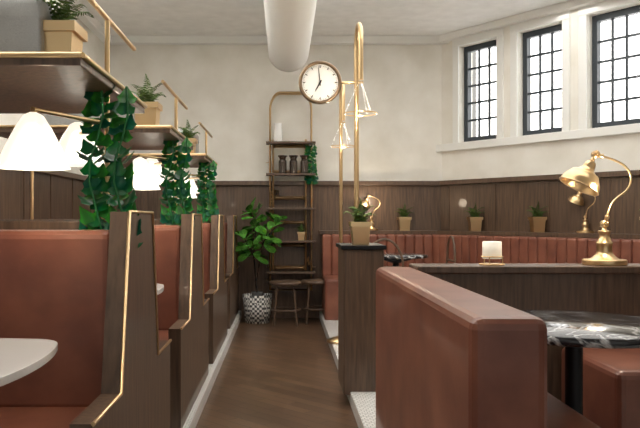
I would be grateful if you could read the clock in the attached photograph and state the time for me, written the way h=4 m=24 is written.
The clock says h=6 m=59
